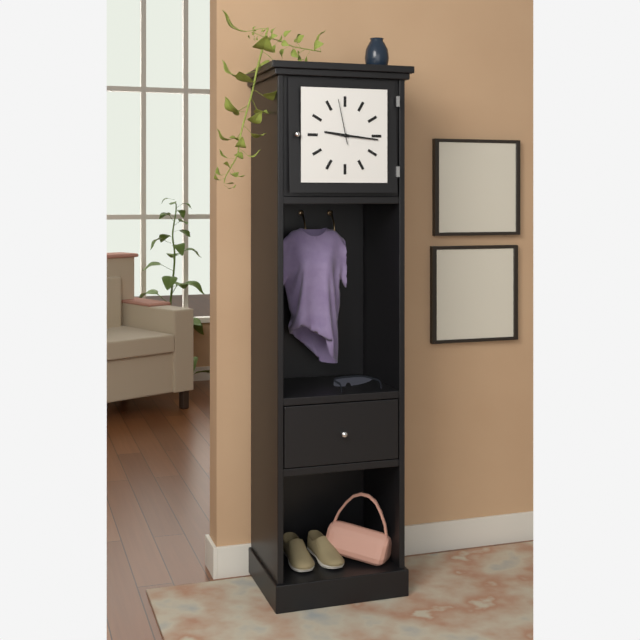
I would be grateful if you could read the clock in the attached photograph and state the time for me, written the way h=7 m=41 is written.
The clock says h=9 m=16
